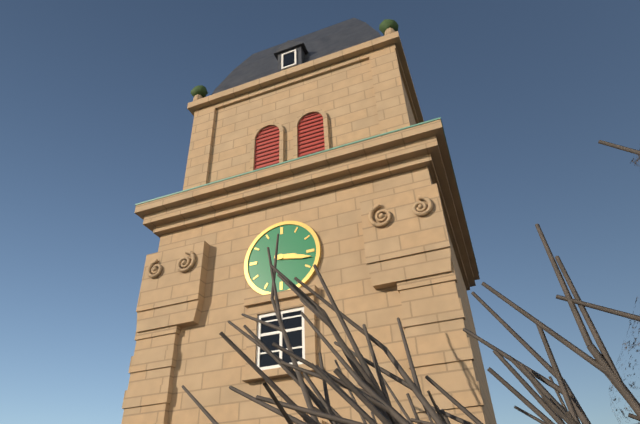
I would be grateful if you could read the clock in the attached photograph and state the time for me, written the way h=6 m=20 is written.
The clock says h=3 m=17
